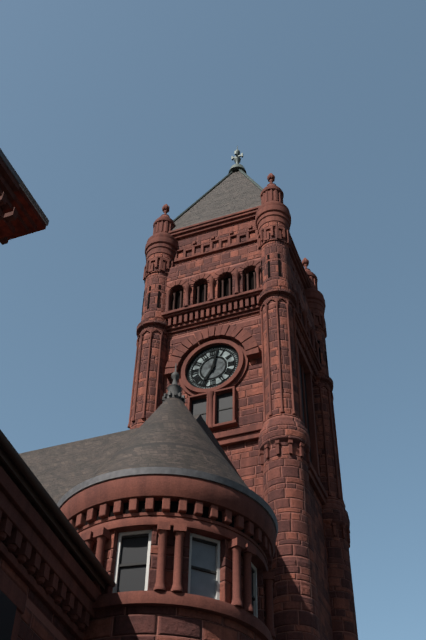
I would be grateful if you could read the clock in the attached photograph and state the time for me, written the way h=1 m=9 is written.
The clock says h=7 m=2
